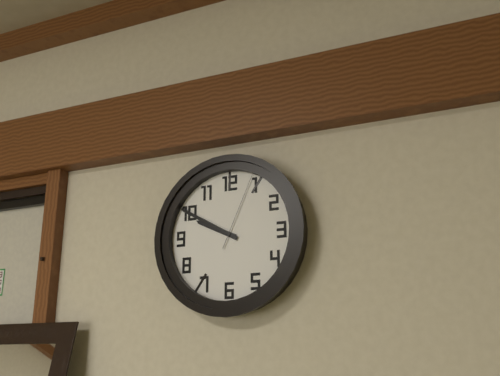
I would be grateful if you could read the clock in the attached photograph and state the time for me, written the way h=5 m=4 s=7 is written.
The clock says h=9 m=50 s=4
